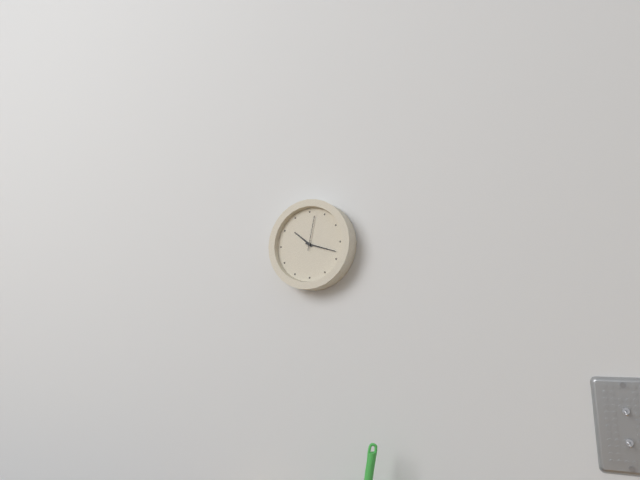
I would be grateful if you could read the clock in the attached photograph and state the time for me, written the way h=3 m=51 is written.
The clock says h=10 m=18
